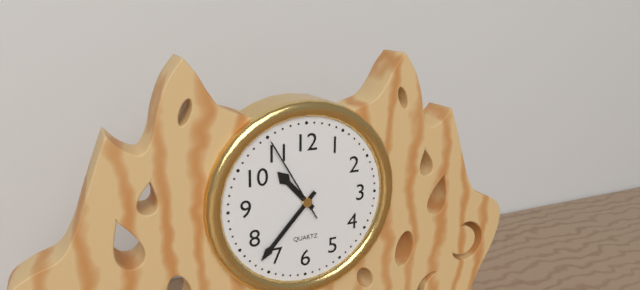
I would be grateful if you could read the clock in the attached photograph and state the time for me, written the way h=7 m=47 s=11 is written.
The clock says h=10 m=37 s=55
